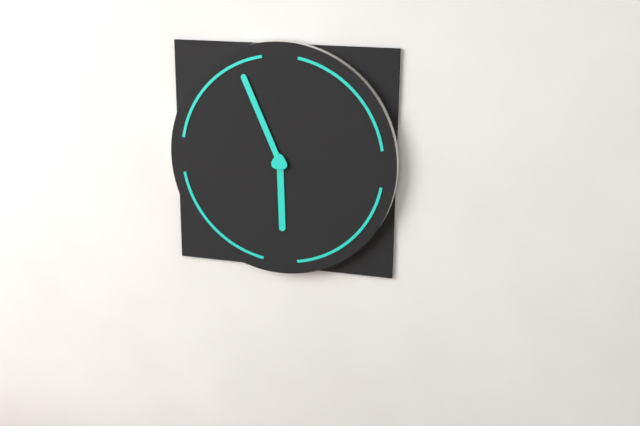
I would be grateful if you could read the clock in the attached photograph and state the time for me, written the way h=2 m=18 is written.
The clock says h=5 m=56
